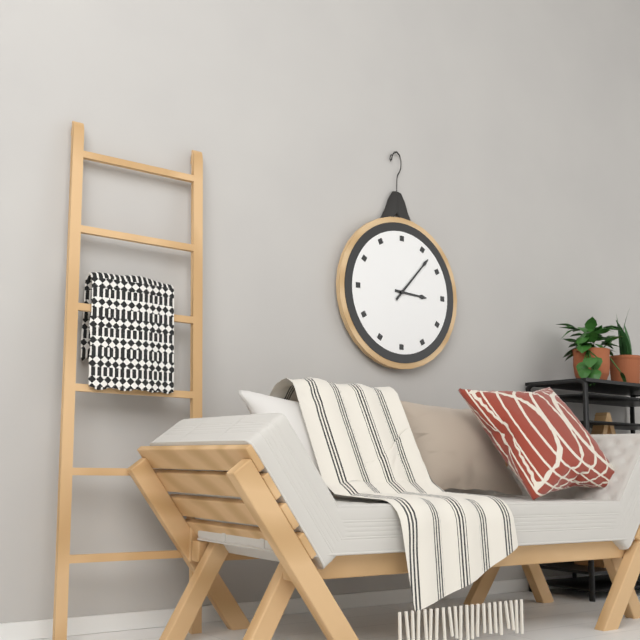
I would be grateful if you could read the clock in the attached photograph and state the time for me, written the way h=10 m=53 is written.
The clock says h=3 m=7
